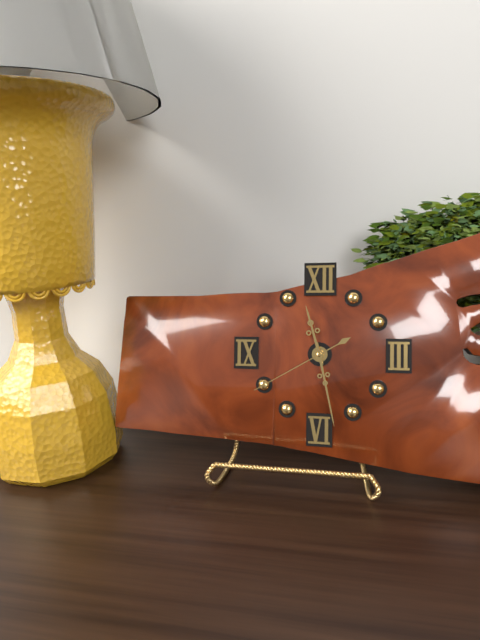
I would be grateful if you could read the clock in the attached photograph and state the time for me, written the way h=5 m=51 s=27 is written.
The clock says h=11 m=28 s=40
